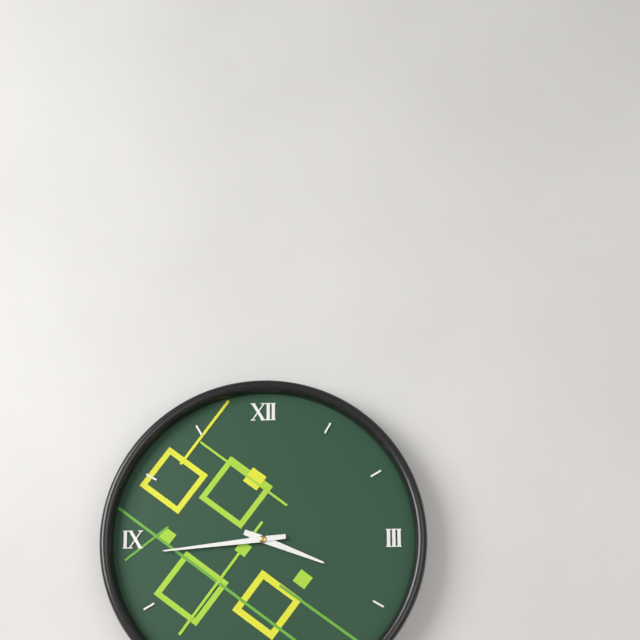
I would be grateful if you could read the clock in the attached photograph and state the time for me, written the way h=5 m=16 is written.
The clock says h=3 m=44
